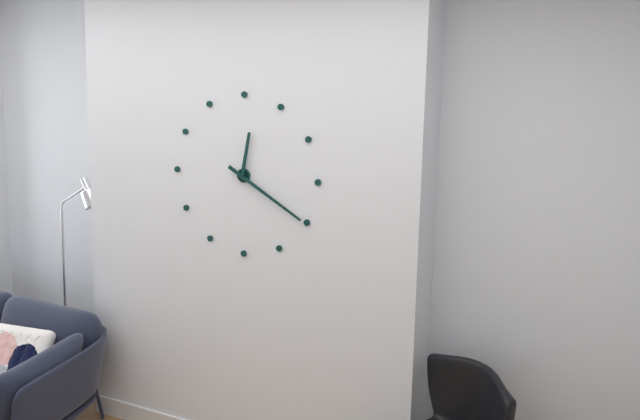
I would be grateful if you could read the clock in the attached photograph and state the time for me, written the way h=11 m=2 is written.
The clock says h=12 m=20
